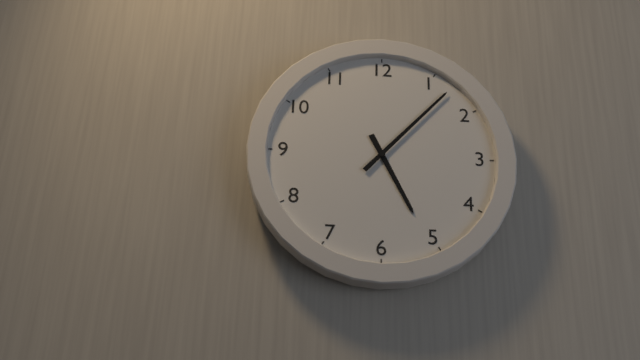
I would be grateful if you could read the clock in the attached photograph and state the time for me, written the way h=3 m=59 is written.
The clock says h=5 m=7
